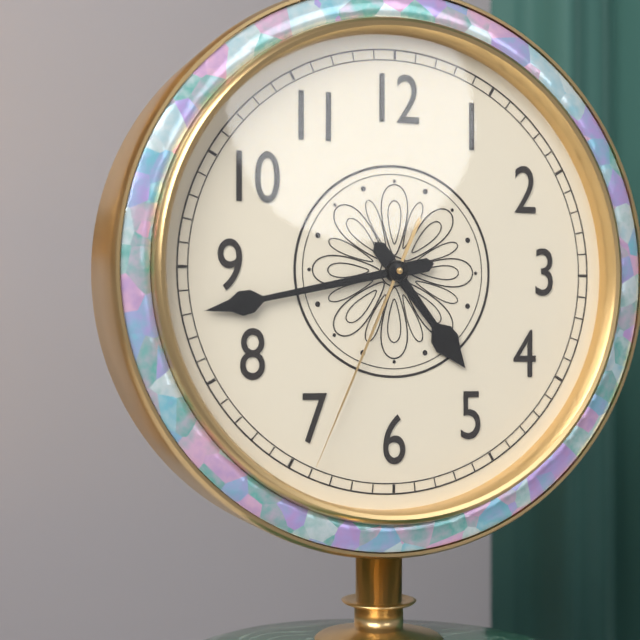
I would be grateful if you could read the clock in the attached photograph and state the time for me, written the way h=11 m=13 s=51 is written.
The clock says h=4 m=43 s=34
